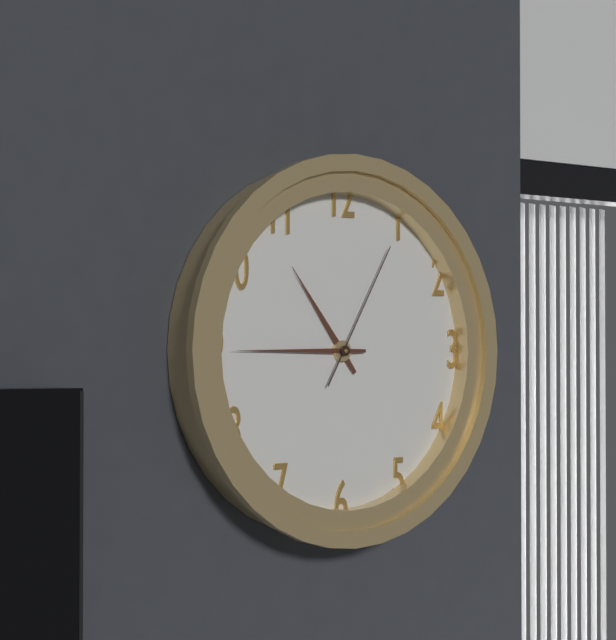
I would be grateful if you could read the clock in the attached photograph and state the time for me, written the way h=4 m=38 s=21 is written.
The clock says h=10 m=45 s=5
